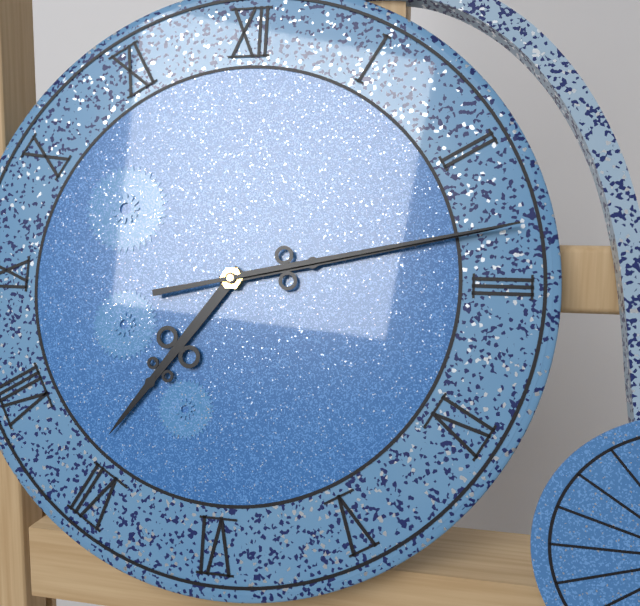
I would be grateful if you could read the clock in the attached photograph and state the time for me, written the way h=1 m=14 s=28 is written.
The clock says h=7 m=13 s=13
